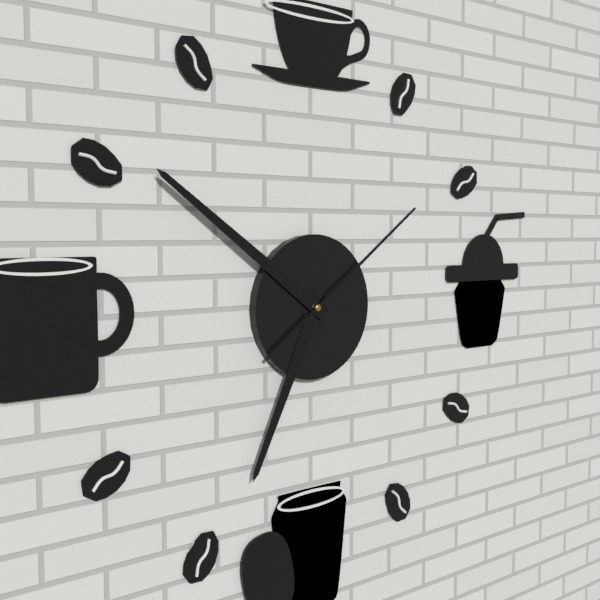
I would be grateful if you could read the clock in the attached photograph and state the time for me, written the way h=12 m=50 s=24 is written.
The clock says h=6 m=51 s=9
